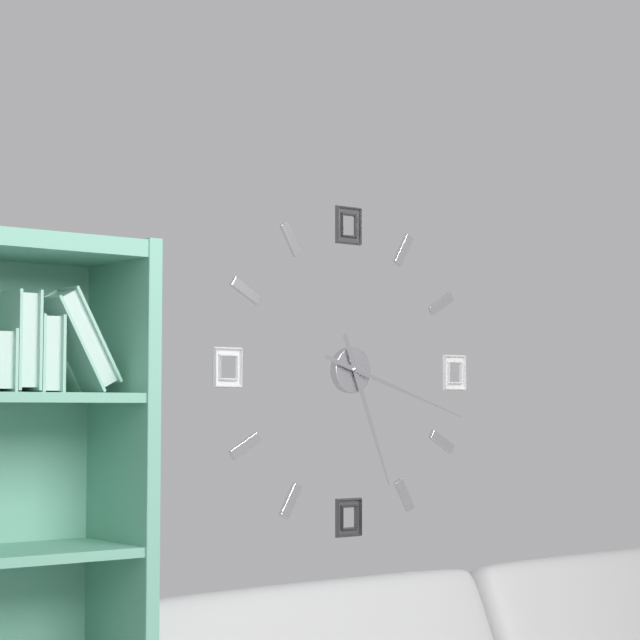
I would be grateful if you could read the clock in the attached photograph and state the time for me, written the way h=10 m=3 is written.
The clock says h=5 m=18
